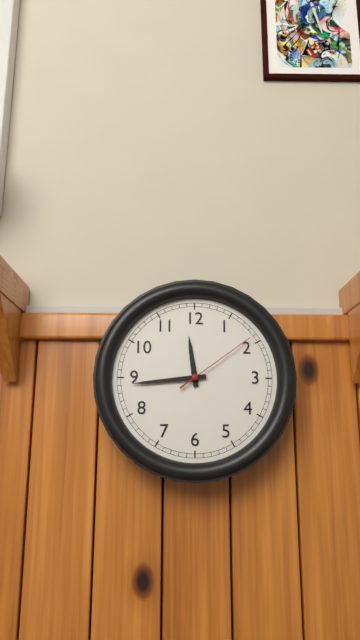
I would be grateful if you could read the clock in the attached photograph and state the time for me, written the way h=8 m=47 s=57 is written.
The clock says h=11 m=44 s=9
